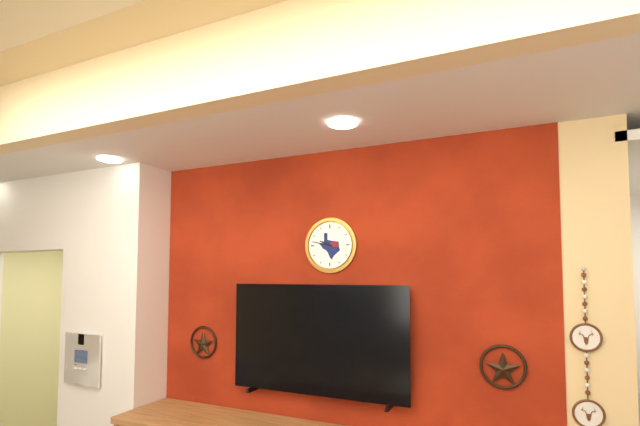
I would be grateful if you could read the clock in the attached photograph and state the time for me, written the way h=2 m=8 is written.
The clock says h=9 m=47
